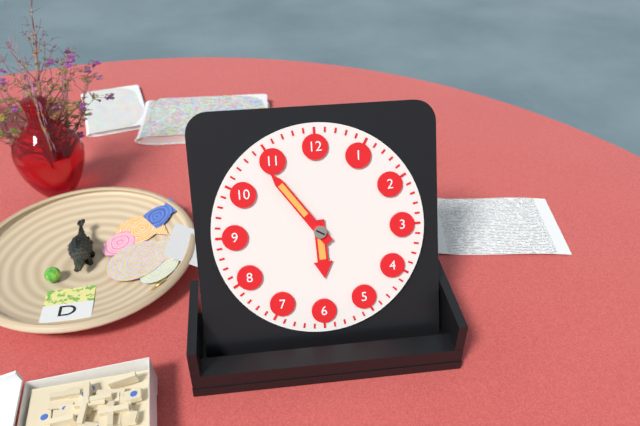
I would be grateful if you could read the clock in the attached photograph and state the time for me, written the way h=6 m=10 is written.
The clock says h=5 m=54
